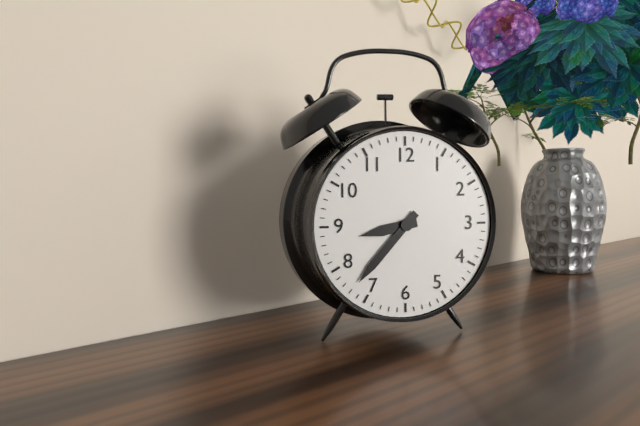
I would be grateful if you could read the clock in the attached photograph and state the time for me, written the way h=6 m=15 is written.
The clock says h=8 m=37
